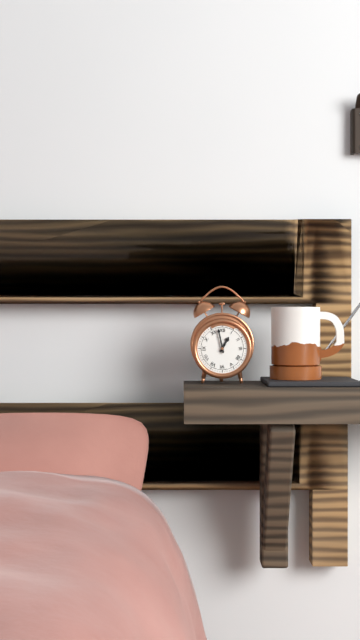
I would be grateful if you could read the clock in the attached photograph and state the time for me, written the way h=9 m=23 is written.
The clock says h=12 m=58
